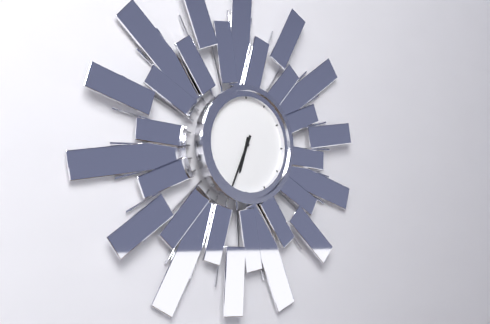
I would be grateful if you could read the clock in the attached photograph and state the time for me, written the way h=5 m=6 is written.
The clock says h=6 m=34
